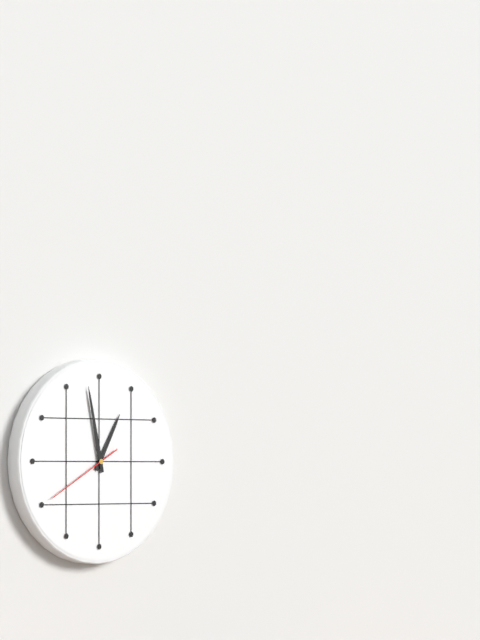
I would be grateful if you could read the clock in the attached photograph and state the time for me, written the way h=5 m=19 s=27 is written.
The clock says h=12 m=58 s=40
